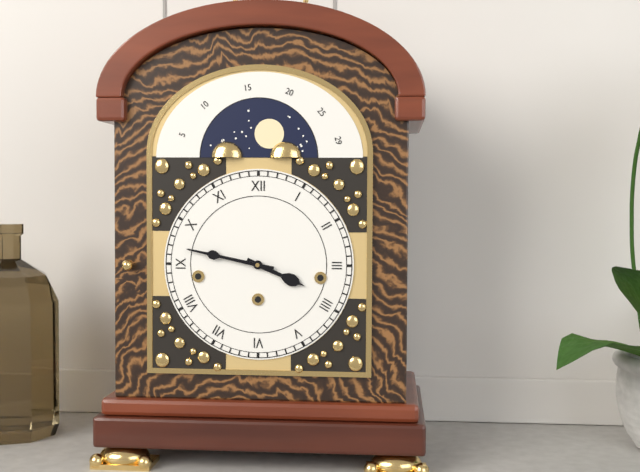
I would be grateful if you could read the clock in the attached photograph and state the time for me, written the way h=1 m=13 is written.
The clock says h=3 m=47
